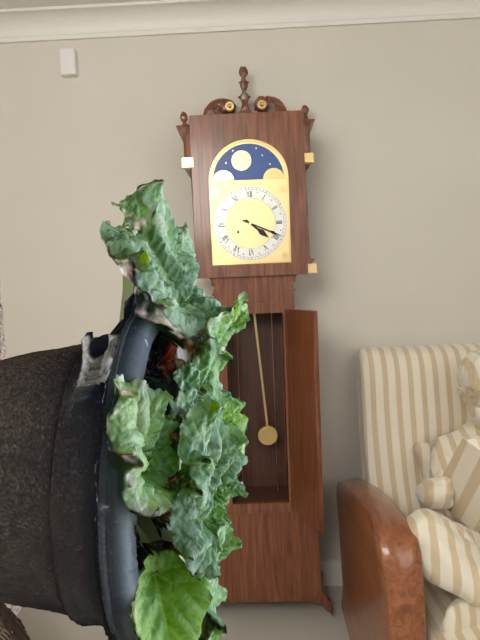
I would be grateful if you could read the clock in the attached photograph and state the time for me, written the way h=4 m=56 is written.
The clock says h=4 m=19
